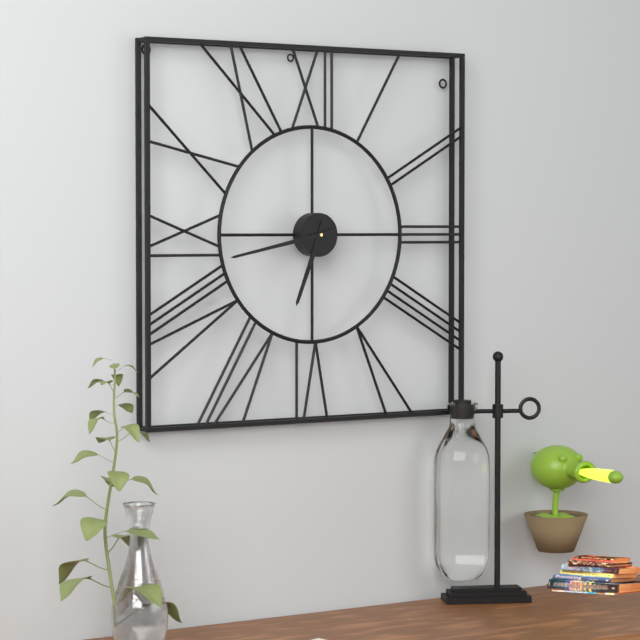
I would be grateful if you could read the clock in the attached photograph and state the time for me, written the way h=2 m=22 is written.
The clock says h=6 m=43
